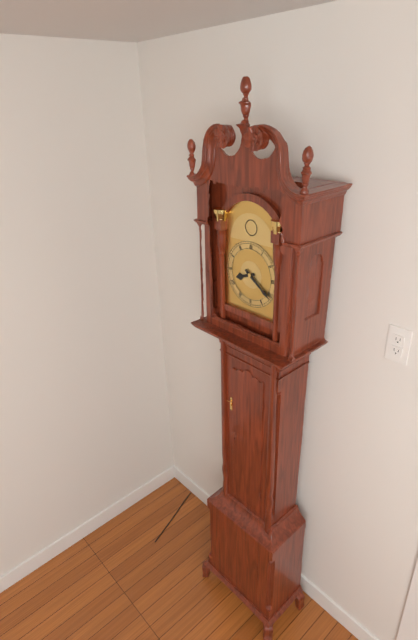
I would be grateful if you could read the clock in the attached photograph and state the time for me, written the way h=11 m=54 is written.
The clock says h=8 m=21
